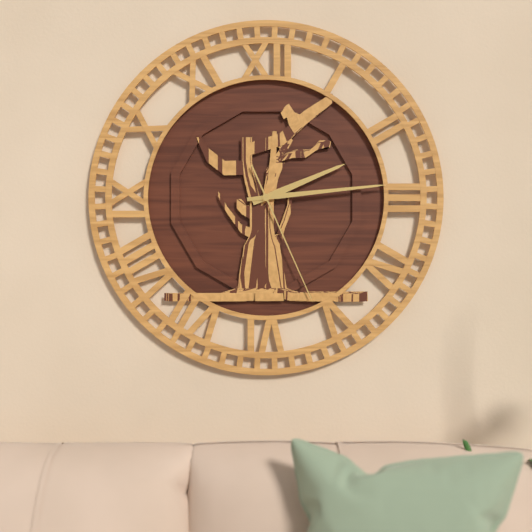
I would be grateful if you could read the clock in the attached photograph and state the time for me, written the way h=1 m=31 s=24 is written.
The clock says h=2 m=14 s=26
